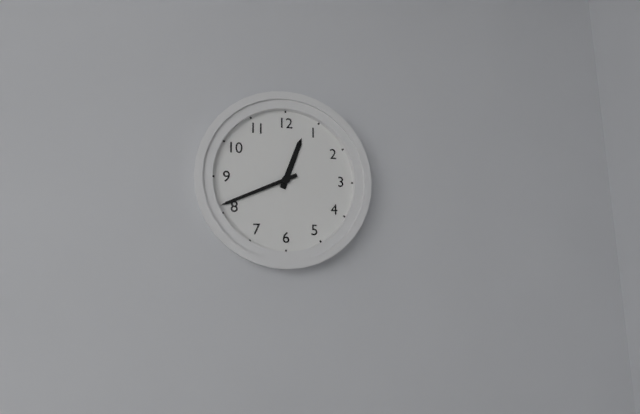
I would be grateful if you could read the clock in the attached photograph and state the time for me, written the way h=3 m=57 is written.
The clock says h=12 m=41
